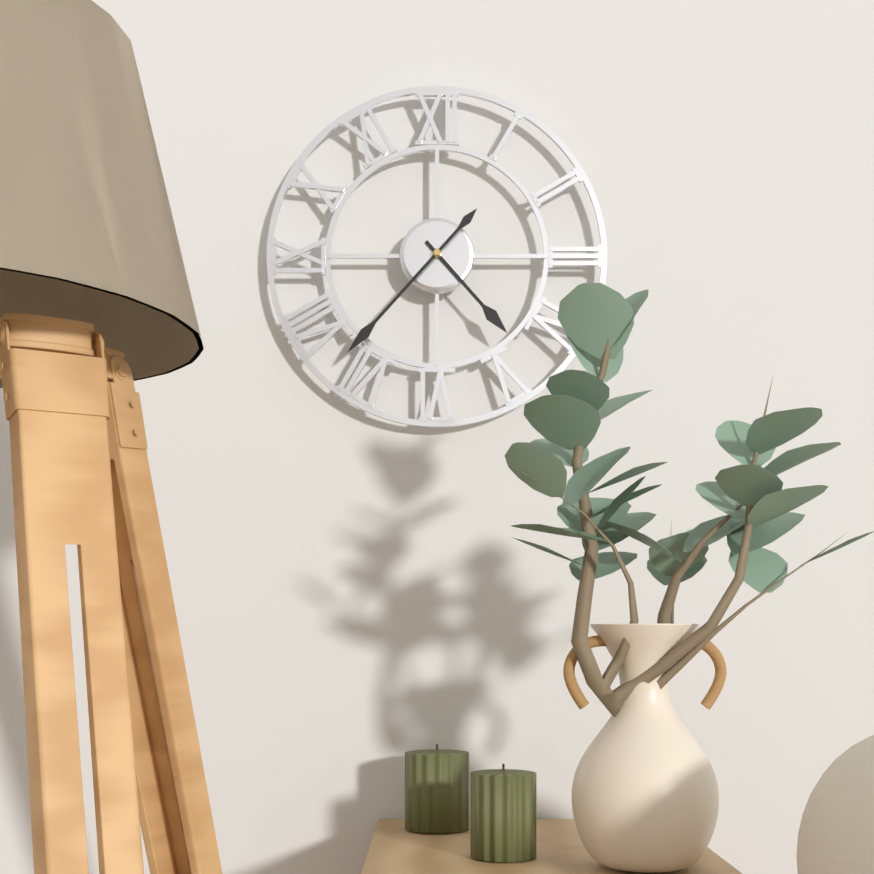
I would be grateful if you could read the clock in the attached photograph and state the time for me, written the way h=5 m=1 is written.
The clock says h=4 m=37
